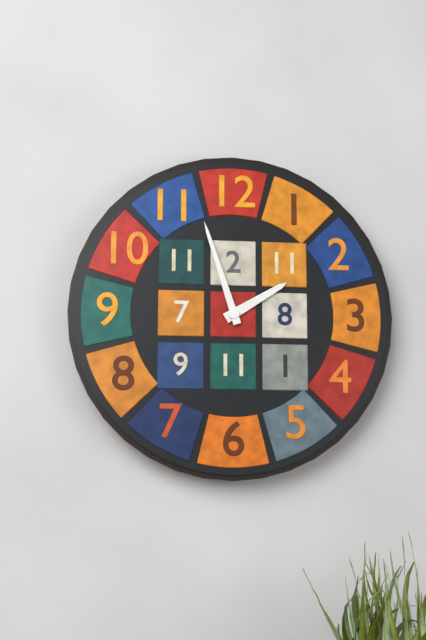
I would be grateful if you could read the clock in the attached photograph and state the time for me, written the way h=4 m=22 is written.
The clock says h=1 m=57
